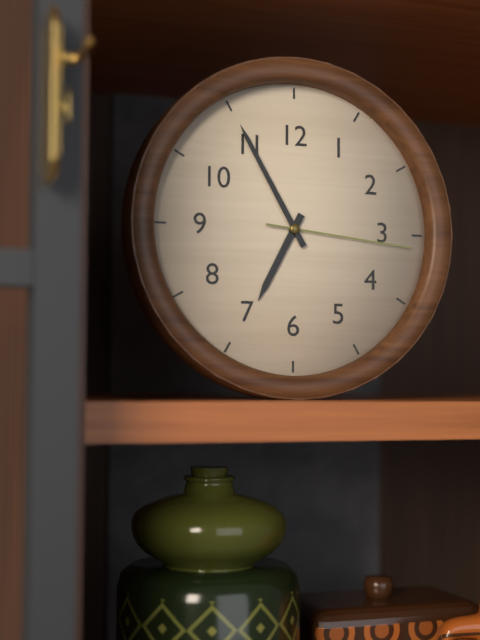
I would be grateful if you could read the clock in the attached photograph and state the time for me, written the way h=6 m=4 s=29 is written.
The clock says h=6 m=55 s=16
